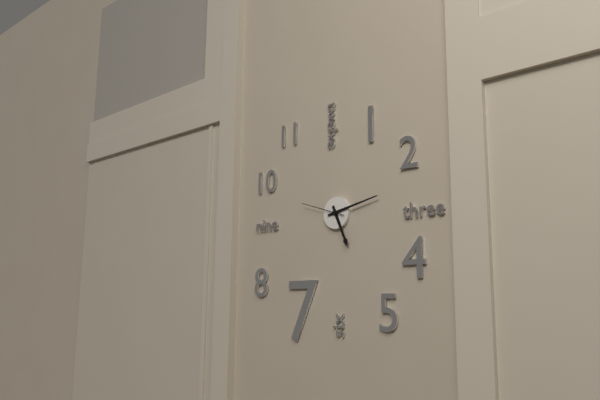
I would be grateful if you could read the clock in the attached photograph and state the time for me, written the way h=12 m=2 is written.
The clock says h=5 m=13
